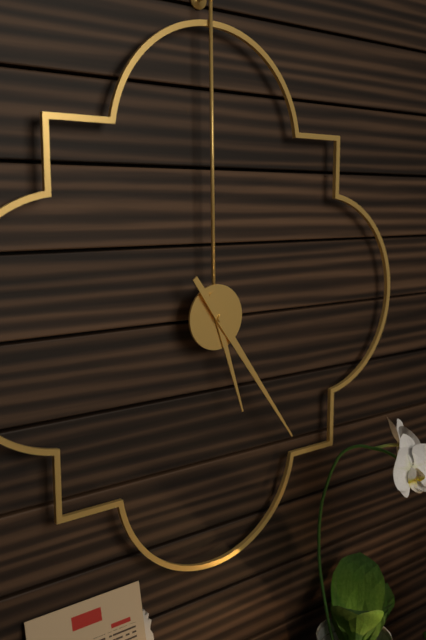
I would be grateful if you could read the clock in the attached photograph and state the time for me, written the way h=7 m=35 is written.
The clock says h=5 m=24
